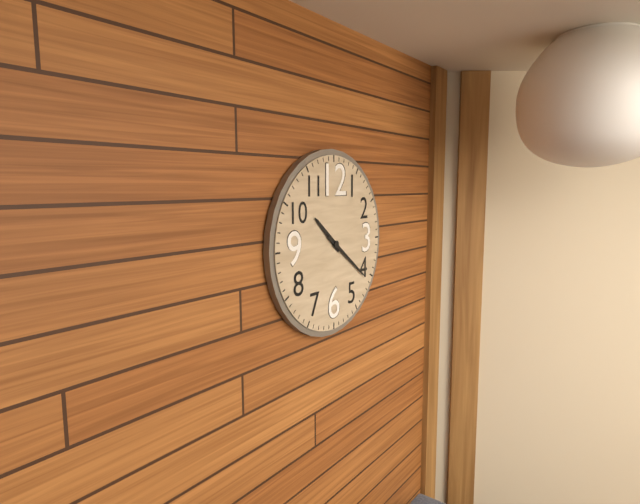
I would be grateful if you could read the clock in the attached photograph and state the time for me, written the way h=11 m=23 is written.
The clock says h=10 m=21
